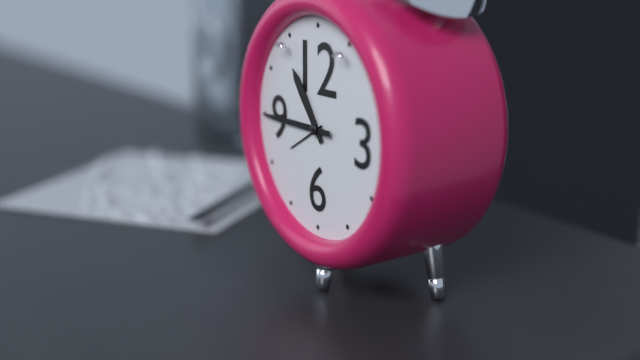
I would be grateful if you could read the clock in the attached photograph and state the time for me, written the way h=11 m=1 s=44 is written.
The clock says h=10 m=45 s=45
